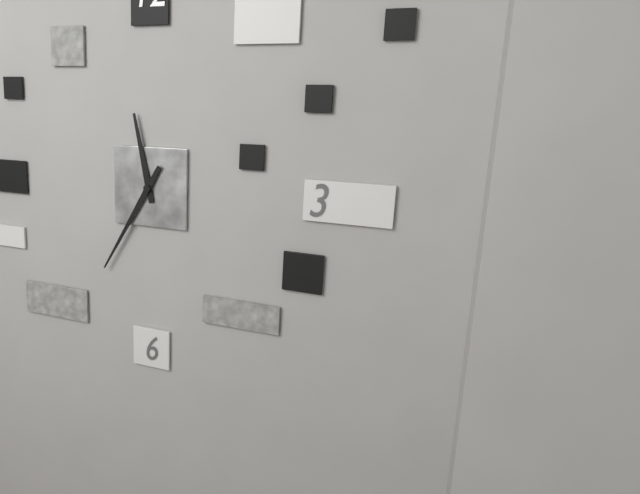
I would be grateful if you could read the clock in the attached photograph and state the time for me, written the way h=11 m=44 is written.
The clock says h=11 m=35
